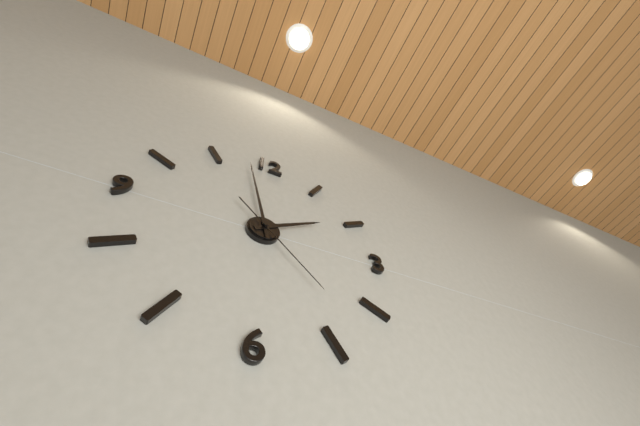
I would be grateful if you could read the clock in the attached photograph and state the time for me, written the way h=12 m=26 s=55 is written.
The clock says h=1 m=58 s=23
